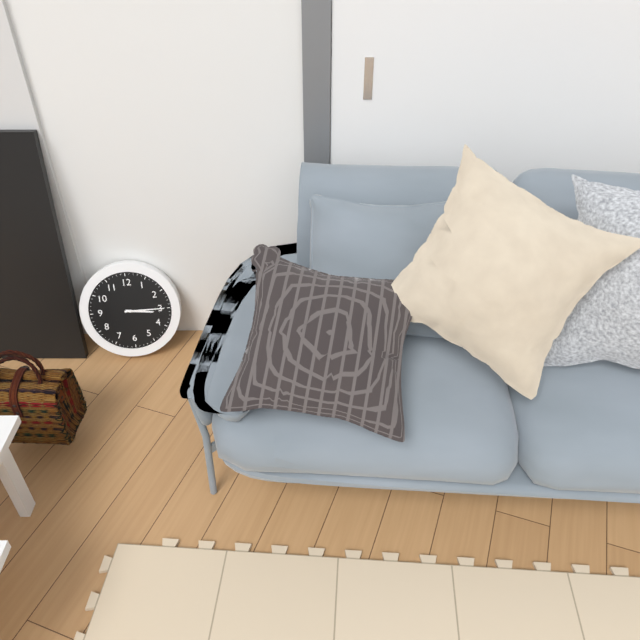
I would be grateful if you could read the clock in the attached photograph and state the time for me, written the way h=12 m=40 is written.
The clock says h=3 m=15
